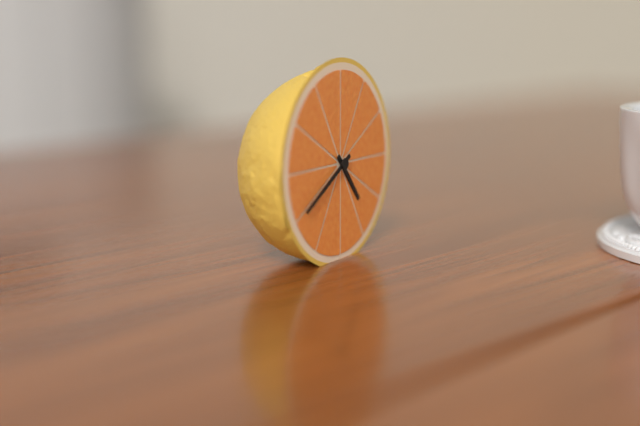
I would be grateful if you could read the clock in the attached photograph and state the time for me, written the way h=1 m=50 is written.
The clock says h=4 m=40
